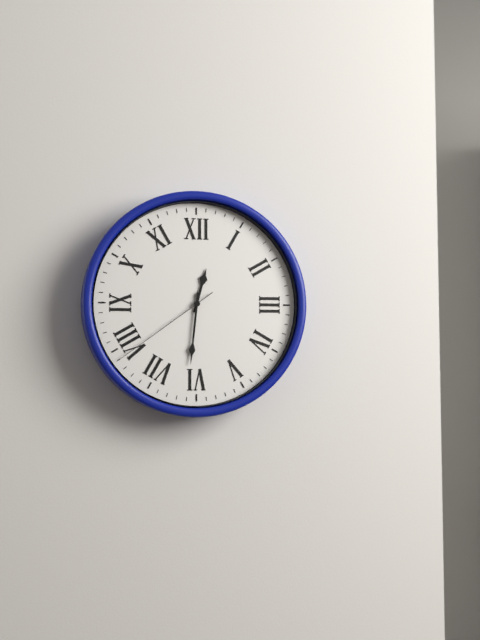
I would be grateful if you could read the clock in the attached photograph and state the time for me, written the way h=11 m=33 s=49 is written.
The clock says h=12 m=31 s=39
